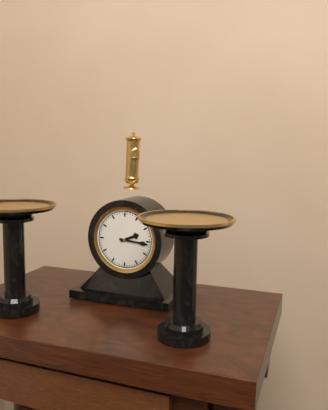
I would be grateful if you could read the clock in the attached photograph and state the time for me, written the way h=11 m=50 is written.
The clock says h=2 m=16
